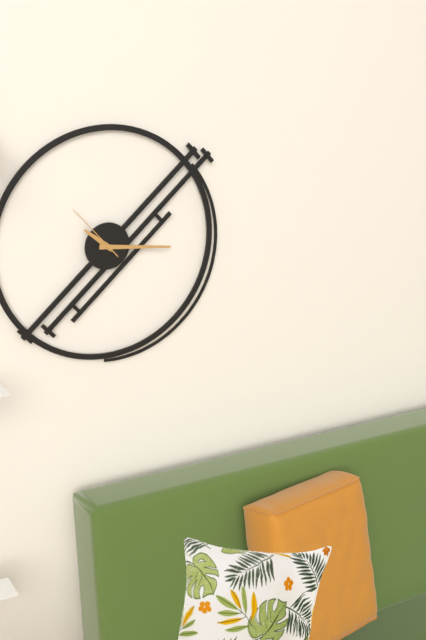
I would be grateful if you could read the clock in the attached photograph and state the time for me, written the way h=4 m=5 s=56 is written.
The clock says h=10 m=16 s=53
